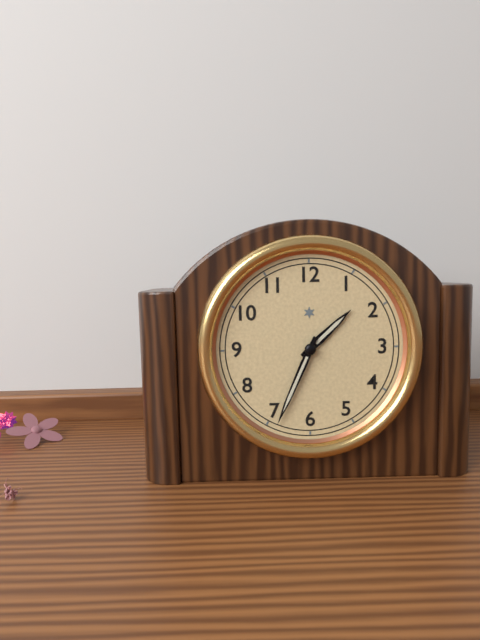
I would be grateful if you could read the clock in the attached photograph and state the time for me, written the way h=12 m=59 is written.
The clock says h=1 m=34
